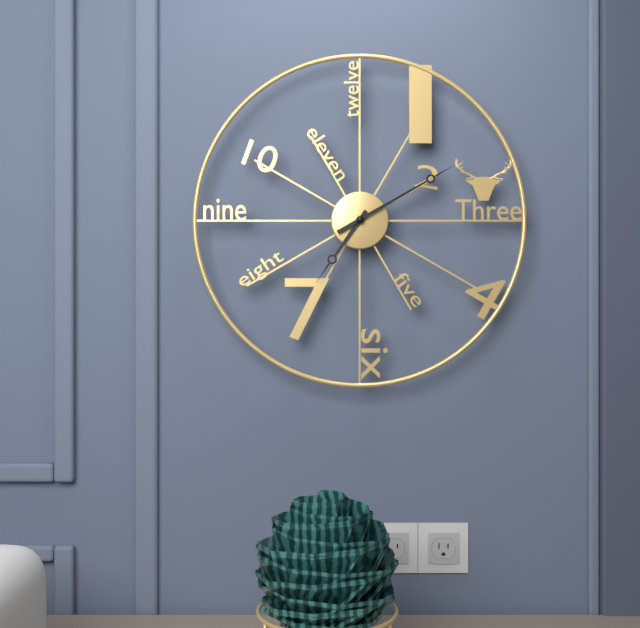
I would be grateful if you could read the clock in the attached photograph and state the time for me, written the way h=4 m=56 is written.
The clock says h=7 m=10
